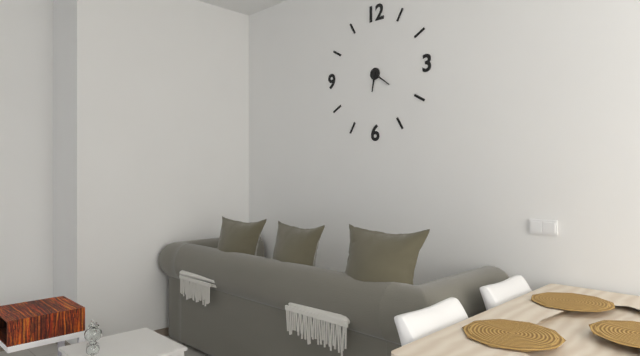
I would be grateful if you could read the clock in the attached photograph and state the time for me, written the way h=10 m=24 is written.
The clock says h=6 m=21
